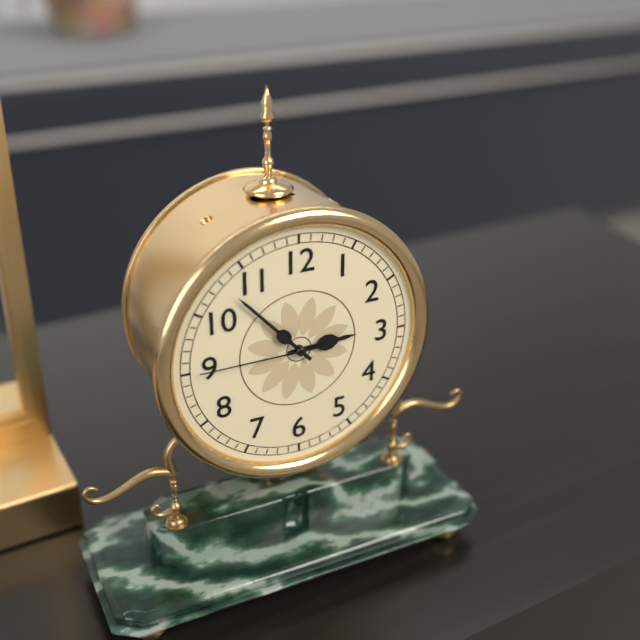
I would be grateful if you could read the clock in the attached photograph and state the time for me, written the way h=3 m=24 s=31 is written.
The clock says h=2 m=53 s=45
